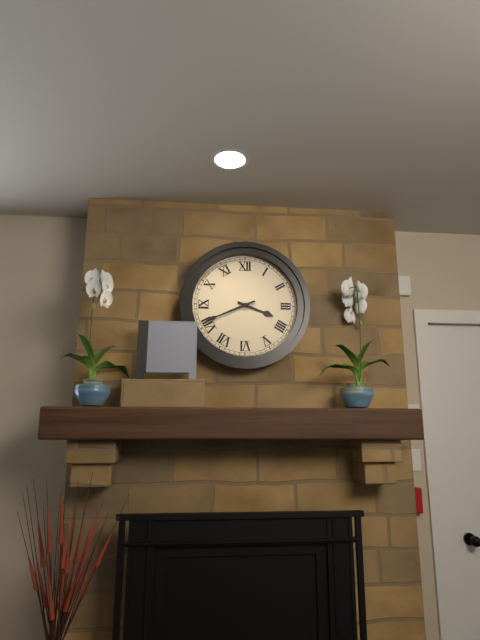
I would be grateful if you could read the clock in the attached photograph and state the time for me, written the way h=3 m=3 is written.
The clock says h=3 m=41
